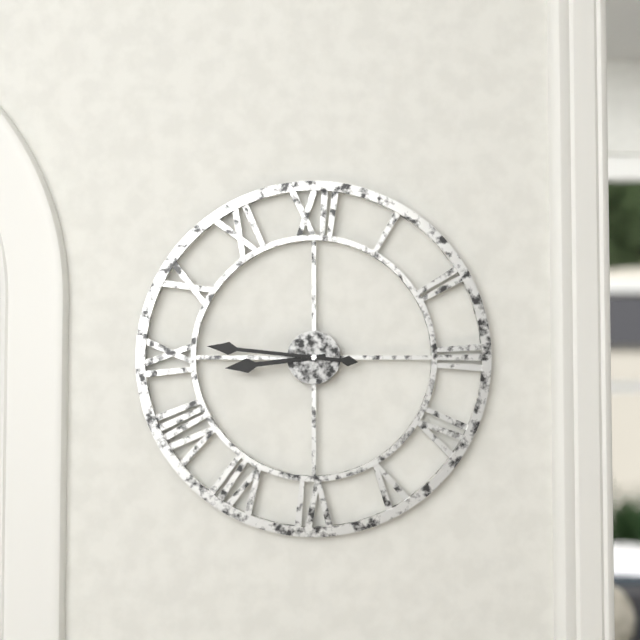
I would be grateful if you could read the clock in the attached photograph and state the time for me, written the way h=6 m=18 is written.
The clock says h=8 m=46
